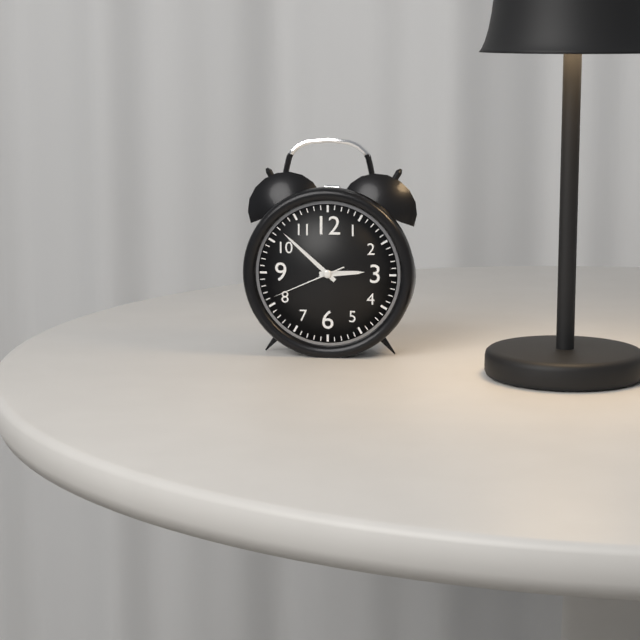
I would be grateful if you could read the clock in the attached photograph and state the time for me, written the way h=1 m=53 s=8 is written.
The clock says h=2 m=52 s=41
